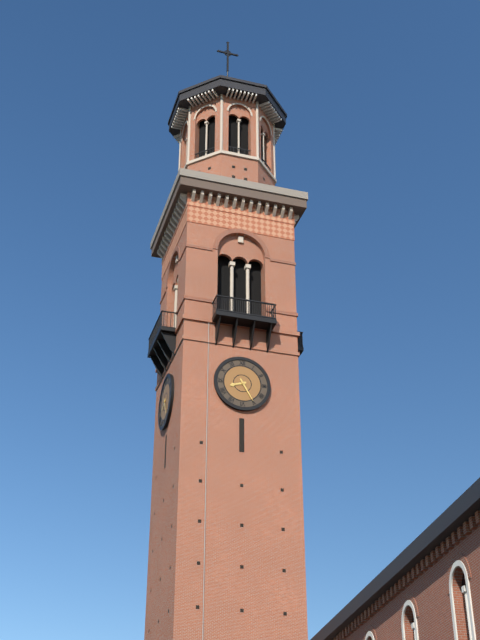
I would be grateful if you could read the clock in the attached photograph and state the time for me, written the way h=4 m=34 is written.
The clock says h=8 m=25
